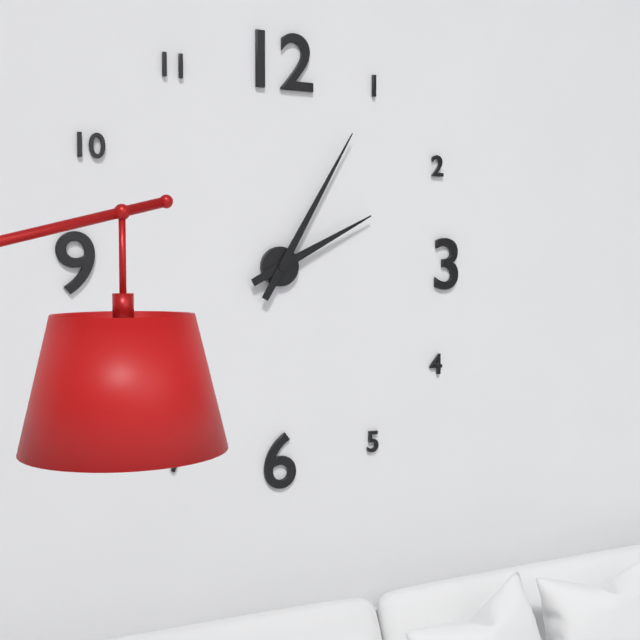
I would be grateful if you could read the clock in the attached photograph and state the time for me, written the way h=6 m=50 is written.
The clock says h=2 m=5
